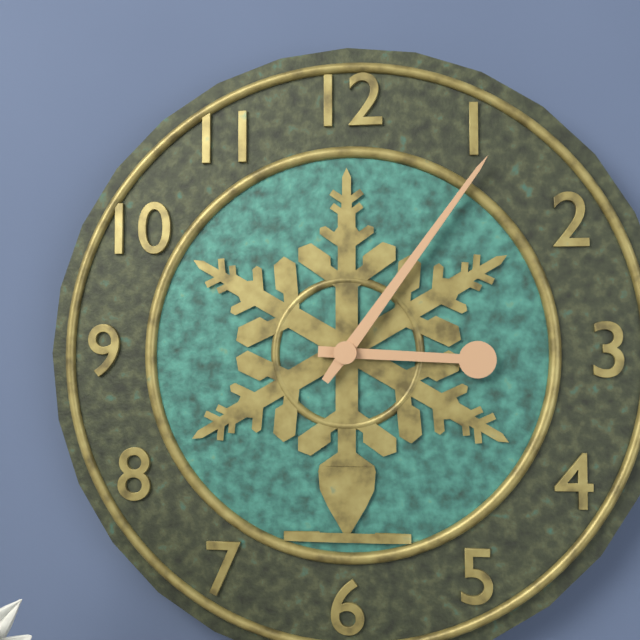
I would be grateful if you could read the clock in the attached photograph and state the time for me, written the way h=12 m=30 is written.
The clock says h=3 m=6
